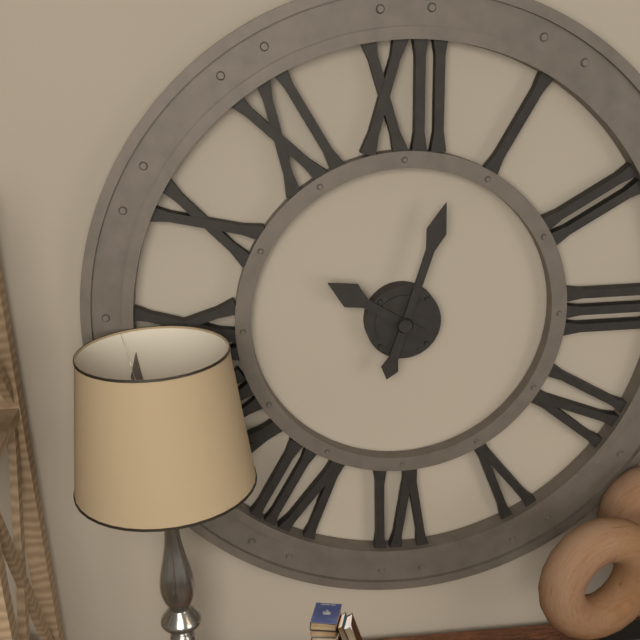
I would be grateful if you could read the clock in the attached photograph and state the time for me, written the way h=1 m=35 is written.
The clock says h=10 m=3
